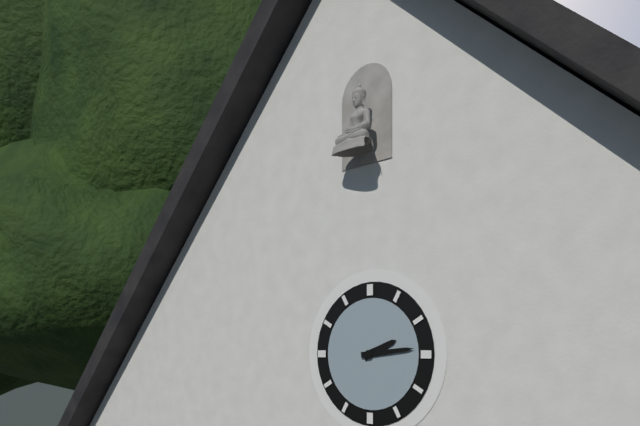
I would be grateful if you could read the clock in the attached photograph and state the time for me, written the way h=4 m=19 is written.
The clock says h=2 m=14
